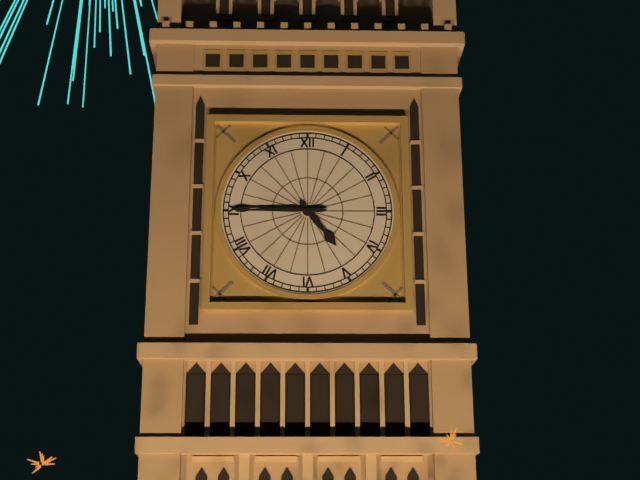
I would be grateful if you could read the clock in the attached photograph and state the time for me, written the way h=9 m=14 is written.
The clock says h=4 m=45
